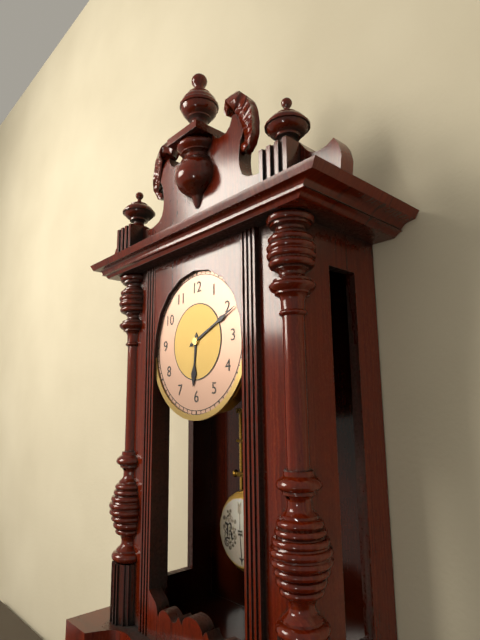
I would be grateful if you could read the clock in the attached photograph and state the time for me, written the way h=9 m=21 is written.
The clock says h=6 m=11
